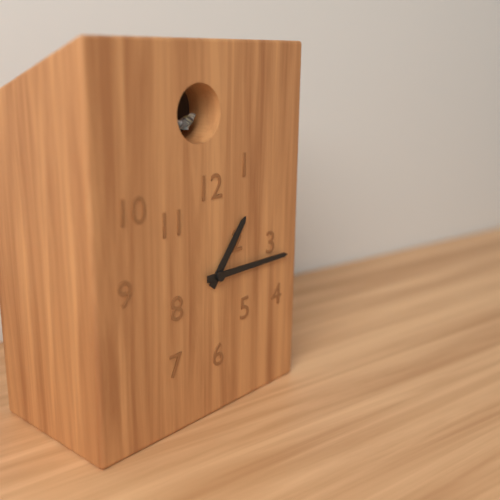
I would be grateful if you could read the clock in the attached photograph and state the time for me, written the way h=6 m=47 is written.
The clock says h=1 m=15
